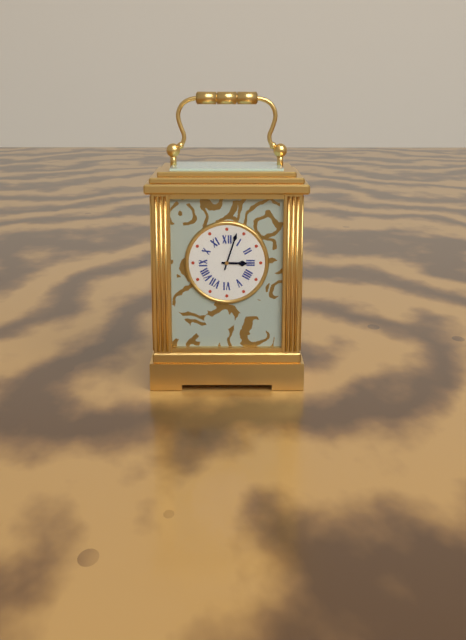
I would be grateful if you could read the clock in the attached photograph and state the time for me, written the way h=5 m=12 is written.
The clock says h=3 m=3
